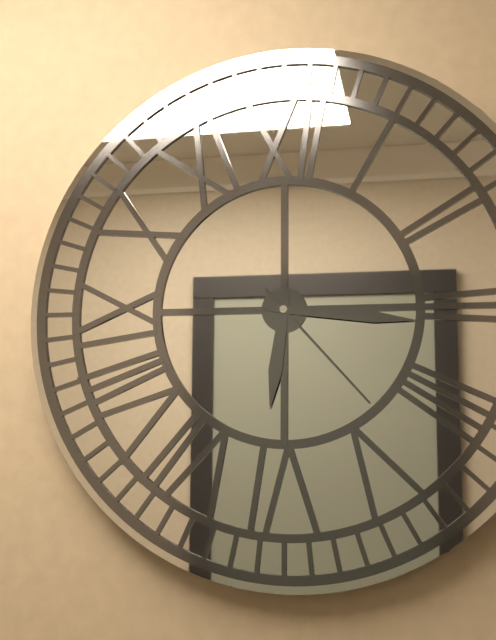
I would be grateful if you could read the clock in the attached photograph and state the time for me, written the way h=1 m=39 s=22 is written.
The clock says h=6 m=16 s=23
